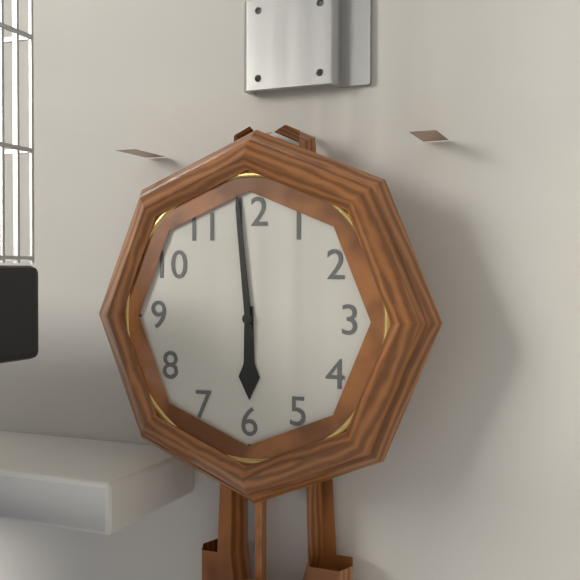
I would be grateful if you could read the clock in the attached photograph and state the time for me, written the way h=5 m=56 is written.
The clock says h=5 m=59
